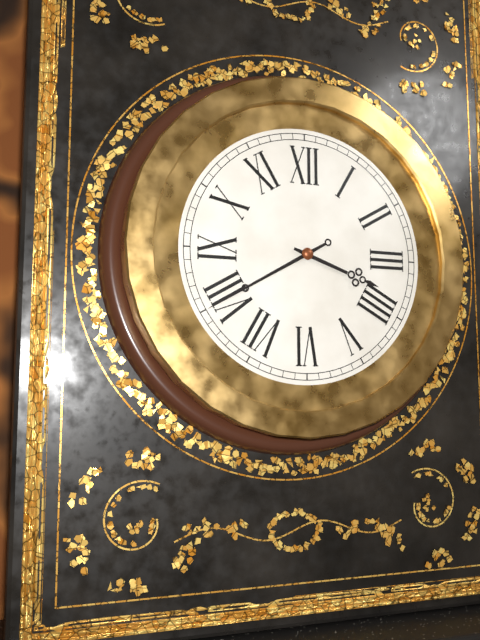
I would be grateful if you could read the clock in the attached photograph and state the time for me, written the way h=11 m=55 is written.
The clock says h=3 m=40
